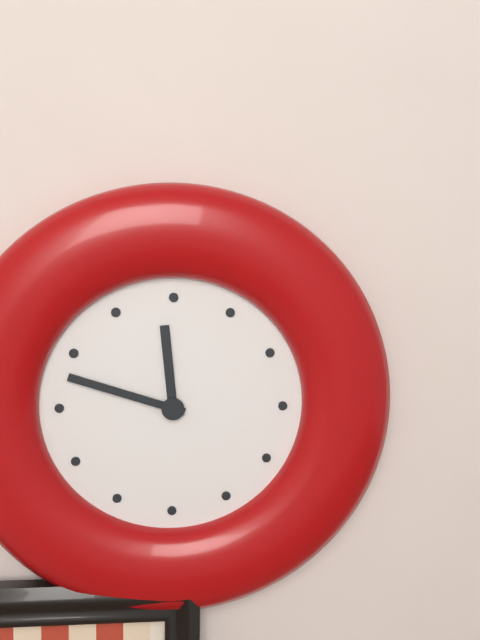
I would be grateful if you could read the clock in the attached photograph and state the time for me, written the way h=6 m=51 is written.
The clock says h=11 m=48
